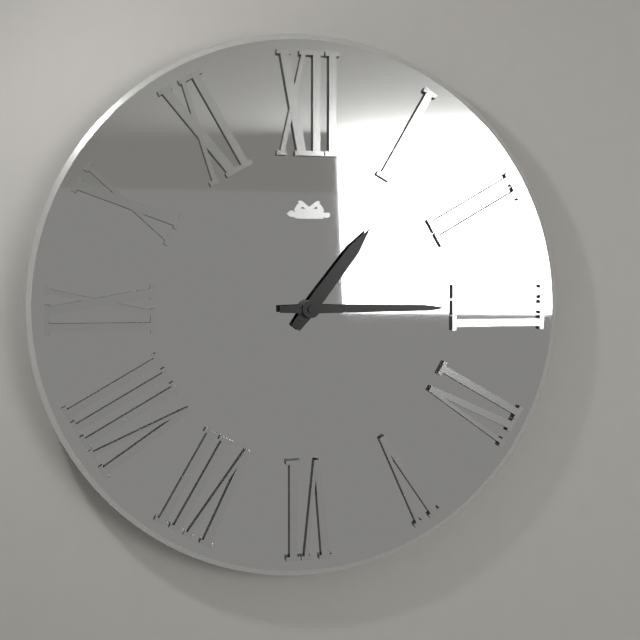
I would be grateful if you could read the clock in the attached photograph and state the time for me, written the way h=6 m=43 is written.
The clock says h=1 m=15
